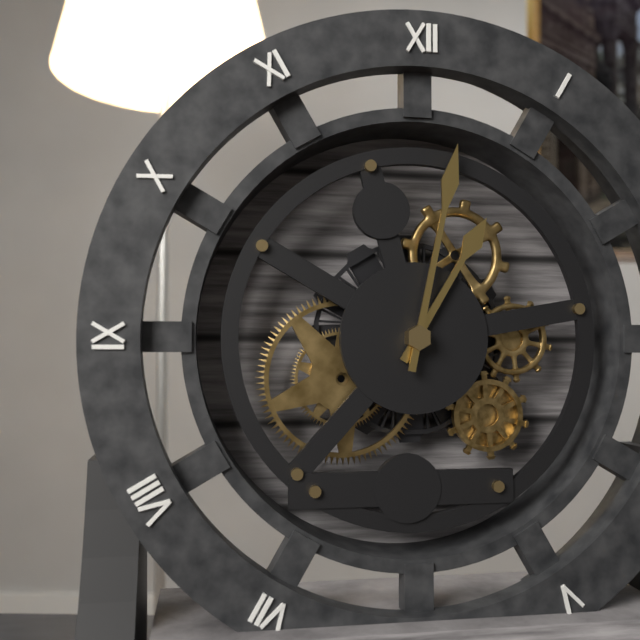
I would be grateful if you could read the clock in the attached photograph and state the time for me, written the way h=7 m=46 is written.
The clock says h=1 m=2
